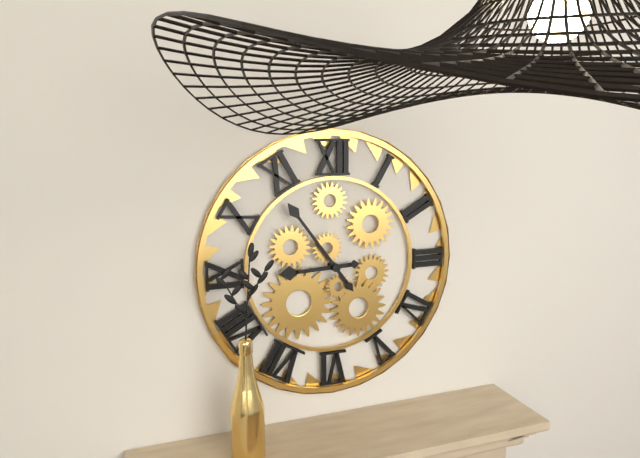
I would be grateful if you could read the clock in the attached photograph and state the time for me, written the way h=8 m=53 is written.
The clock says h=8 m=54
